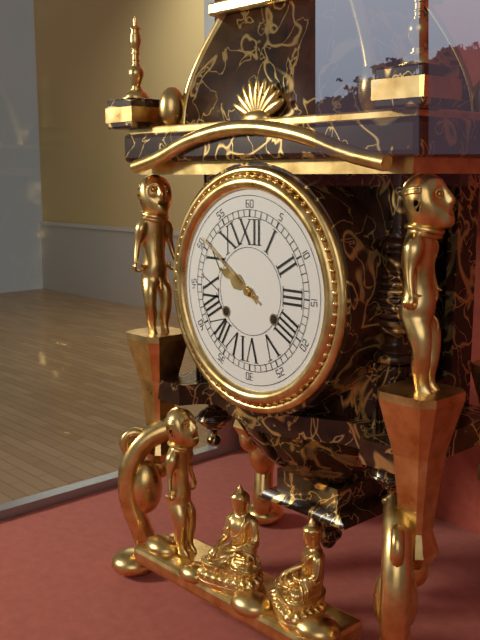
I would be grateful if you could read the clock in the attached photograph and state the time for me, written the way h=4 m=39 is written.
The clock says h=9 m=51
